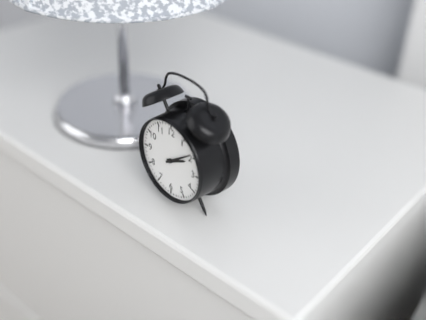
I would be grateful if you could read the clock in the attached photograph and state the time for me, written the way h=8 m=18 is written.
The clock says h=2 m=9
